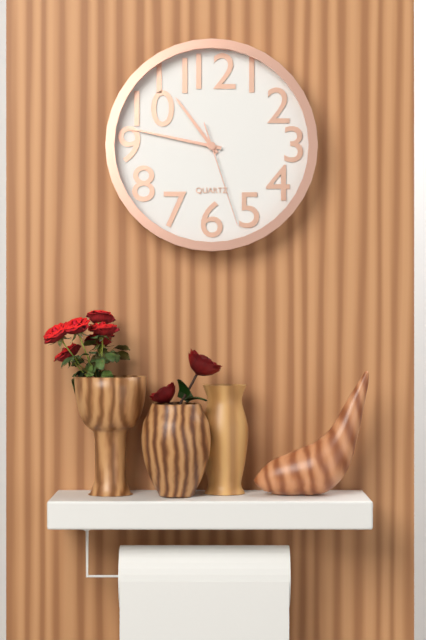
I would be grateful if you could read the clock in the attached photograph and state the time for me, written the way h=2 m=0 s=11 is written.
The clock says h=10 m=47 s=27
